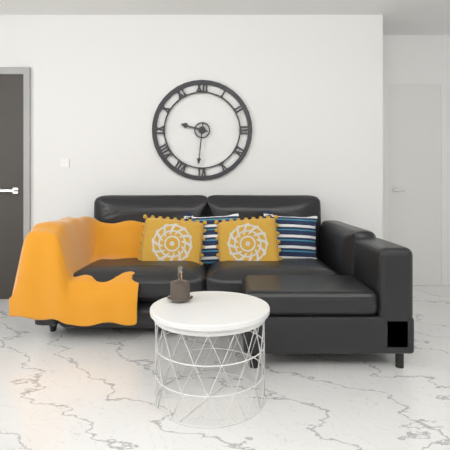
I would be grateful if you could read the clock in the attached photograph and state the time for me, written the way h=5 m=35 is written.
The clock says h=9 m=31
